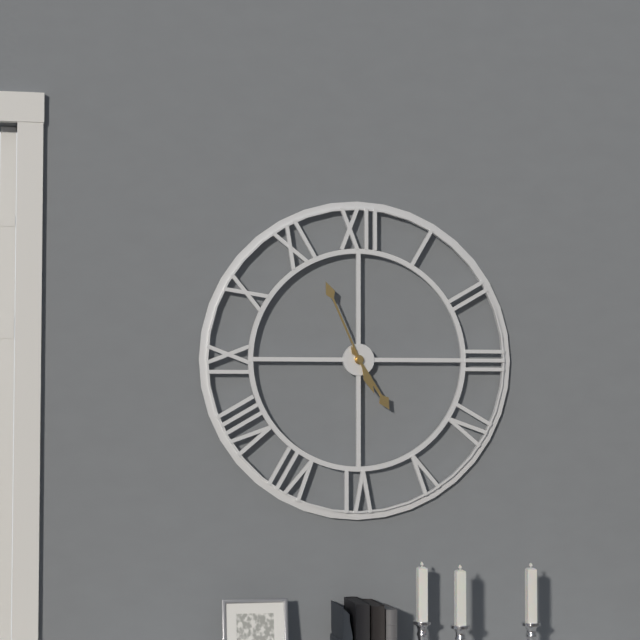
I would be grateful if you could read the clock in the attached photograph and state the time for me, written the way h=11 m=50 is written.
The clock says h=4 m=56
